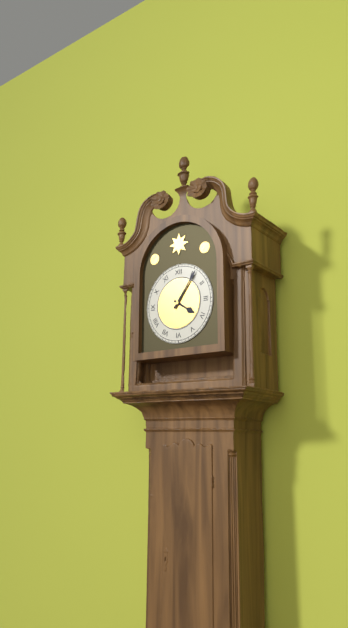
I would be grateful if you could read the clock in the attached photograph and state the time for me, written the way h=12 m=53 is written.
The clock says h=4 m=6
